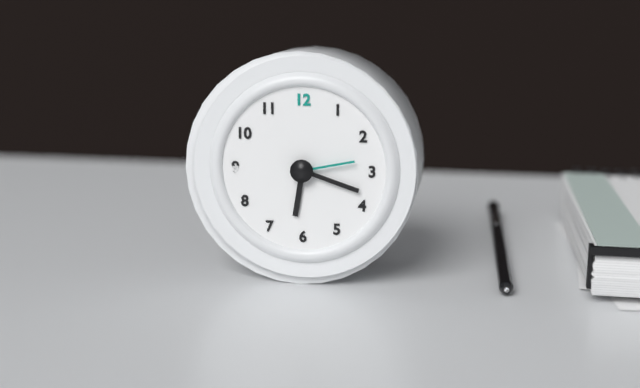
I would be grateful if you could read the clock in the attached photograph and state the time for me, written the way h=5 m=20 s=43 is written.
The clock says h=6 m=18 s=13
